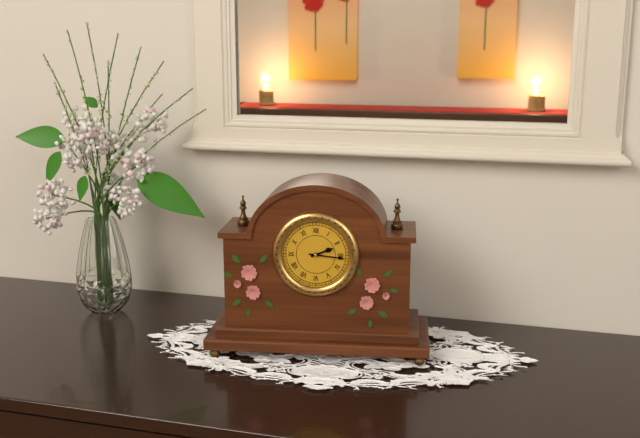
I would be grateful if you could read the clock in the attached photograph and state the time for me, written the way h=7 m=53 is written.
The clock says h=2 m=16
